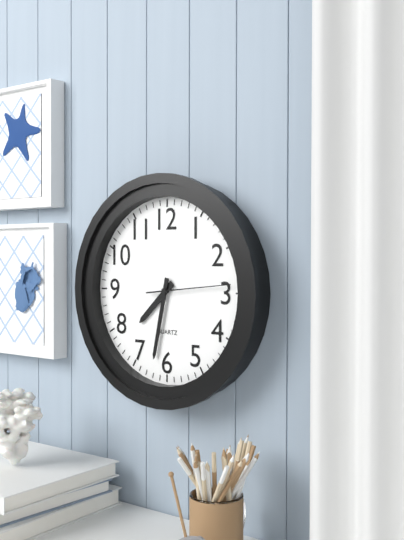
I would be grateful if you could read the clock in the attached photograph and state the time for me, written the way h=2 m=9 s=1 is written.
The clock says h=7 m=32 s=14
